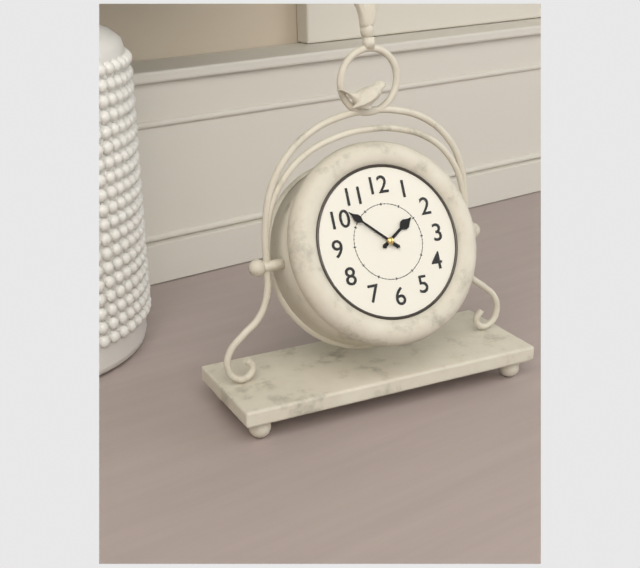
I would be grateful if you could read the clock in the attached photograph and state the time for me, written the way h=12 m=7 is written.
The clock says h=1 m=52
